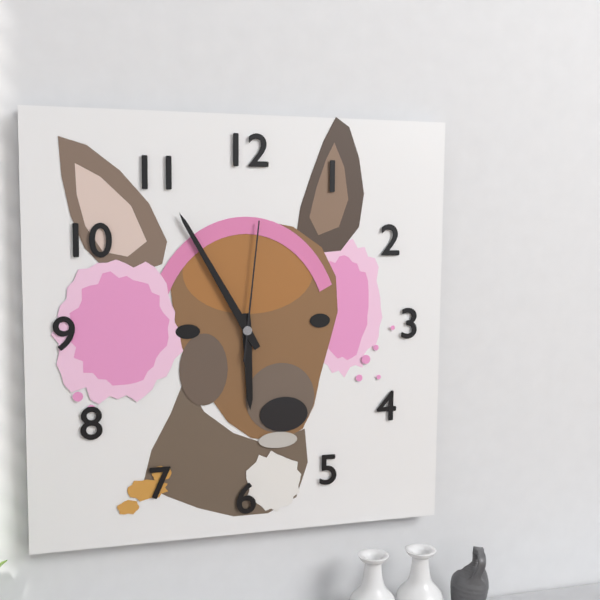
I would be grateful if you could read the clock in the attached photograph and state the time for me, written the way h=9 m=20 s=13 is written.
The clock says h=5 m=55 s=1
